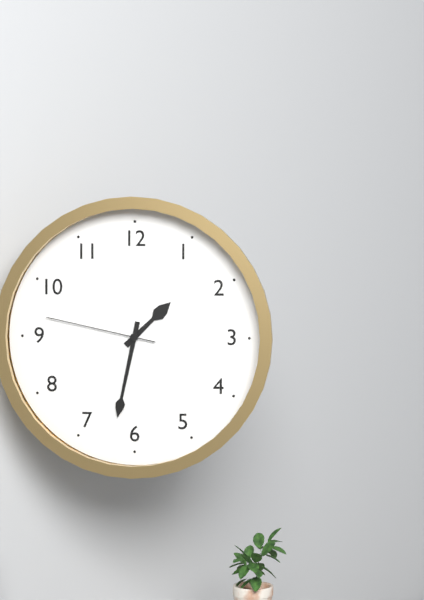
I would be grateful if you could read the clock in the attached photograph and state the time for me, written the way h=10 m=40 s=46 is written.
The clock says h=1 m=32 s=47
